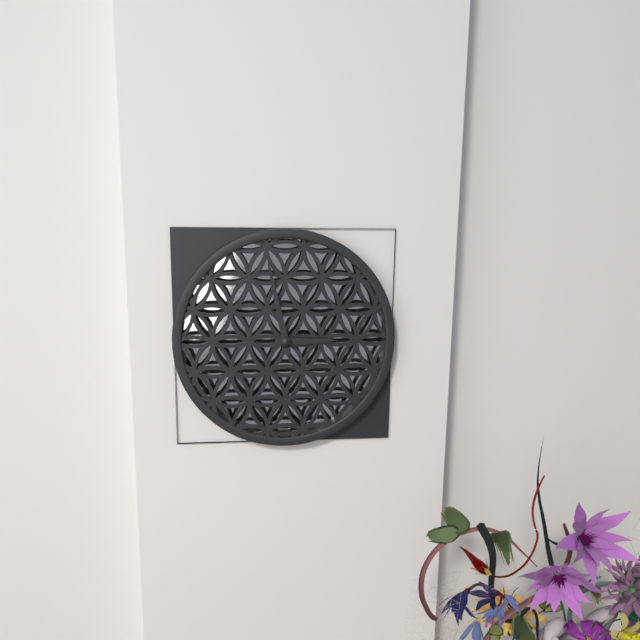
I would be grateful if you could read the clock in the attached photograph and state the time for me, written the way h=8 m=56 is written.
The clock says h=2 m=58
